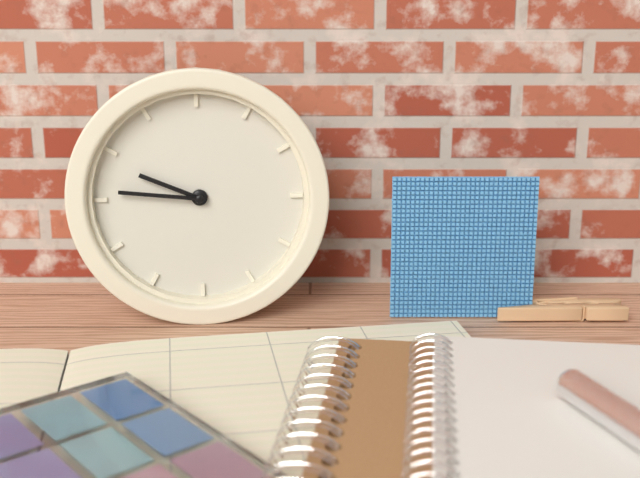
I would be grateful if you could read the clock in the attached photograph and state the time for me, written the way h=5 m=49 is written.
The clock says h=9 m=46
